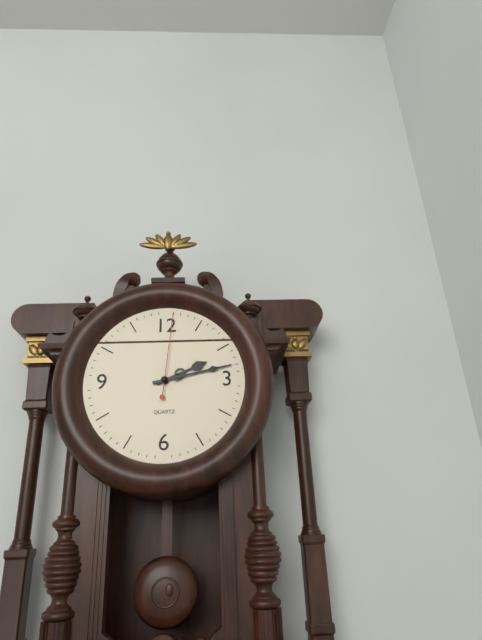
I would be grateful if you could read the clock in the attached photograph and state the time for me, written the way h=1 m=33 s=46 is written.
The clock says h=2 m=13 s=1
